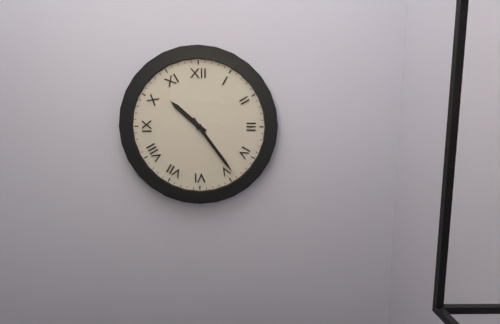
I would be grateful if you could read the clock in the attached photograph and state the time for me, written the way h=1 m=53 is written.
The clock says h=10 m=24
